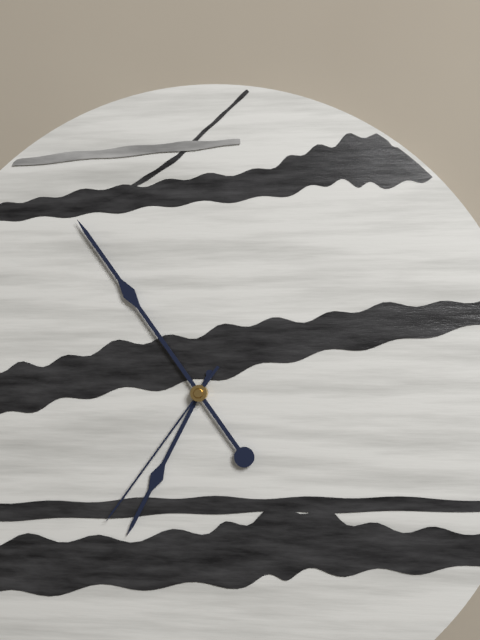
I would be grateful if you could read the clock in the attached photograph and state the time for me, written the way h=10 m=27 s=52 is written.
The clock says h=6 m=54 s=36
